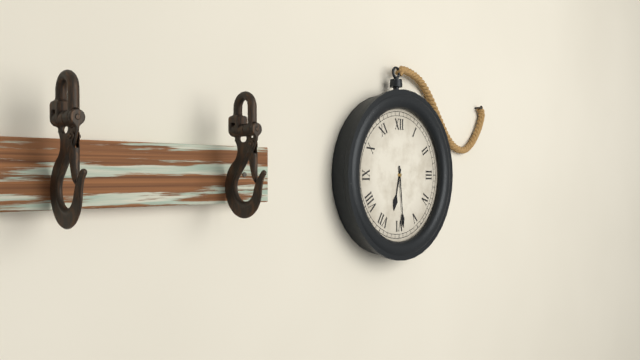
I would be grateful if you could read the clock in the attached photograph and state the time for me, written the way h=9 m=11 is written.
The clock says h=6 m=29
